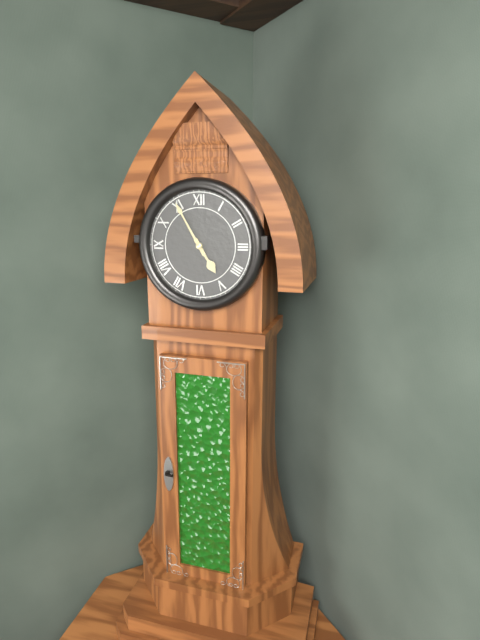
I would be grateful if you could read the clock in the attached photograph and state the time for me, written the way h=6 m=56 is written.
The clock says h=4 m=55
